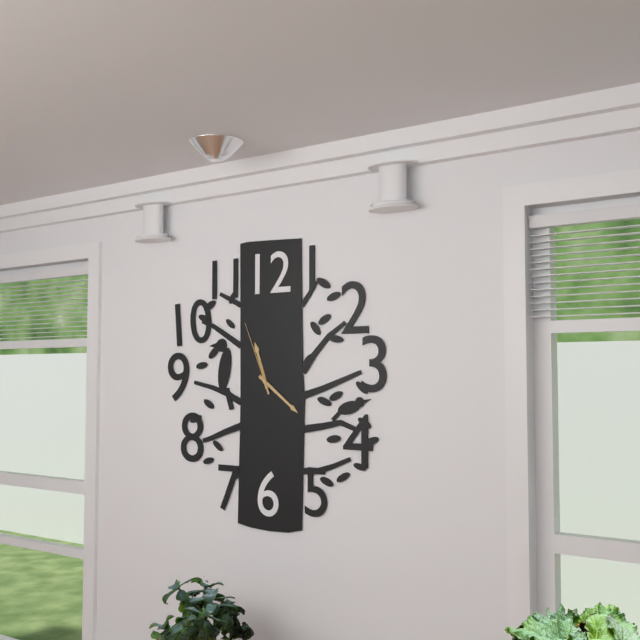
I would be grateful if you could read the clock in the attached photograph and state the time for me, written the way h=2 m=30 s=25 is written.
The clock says h=11 m=21 s=56
